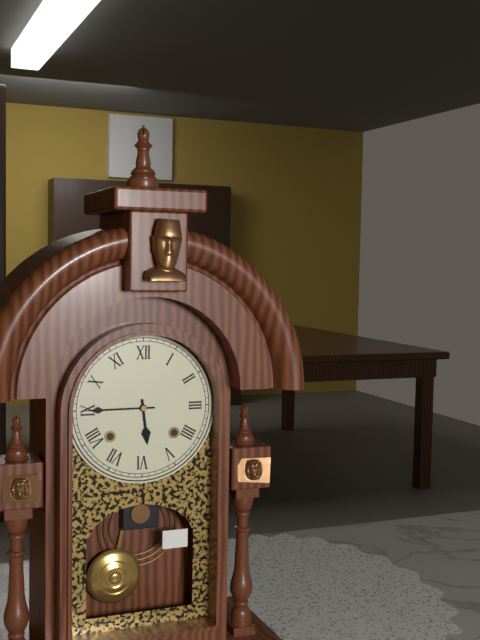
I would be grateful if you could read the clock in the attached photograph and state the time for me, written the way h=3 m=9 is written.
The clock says h=5 m=45
